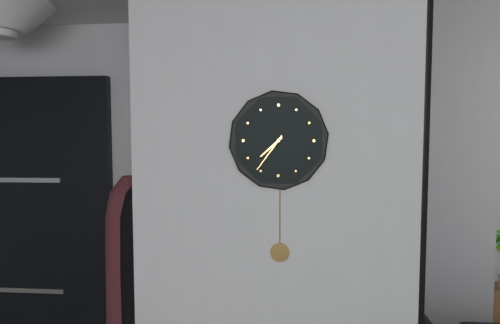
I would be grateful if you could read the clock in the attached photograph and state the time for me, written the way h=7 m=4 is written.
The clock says h=7 m=36
